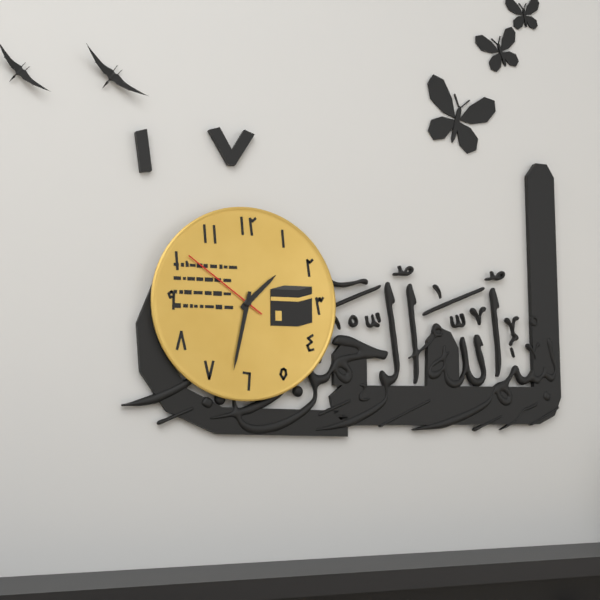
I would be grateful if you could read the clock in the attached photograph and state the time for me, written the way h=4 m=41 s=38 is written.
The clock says h=1 m=32 s=51
